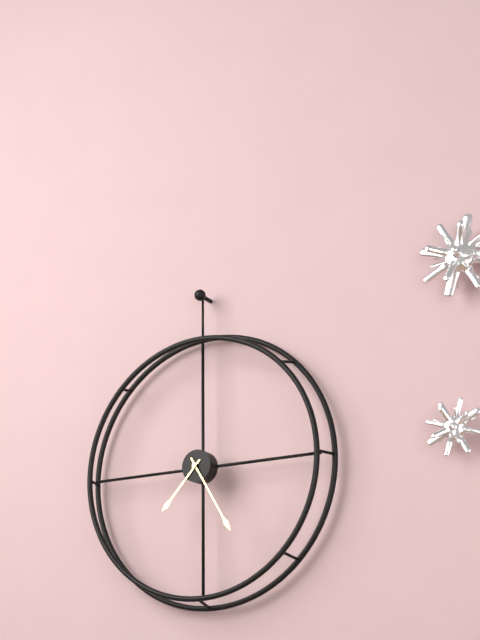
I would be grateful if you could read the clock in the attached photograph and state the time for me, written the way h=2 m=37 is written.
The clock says h=7 m=25
